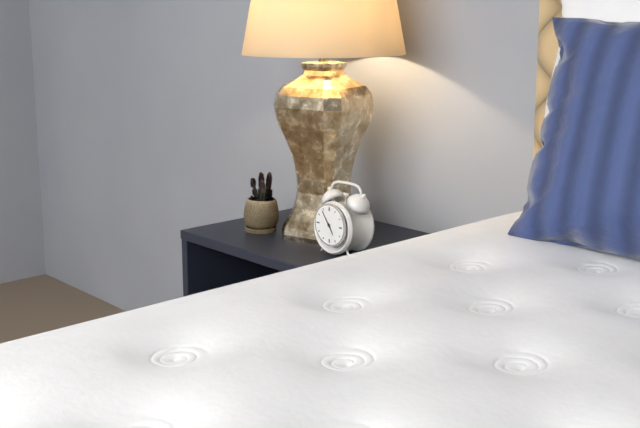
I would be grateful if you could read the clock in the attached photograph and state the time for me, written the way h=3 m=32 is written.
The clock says h=4 m=54
